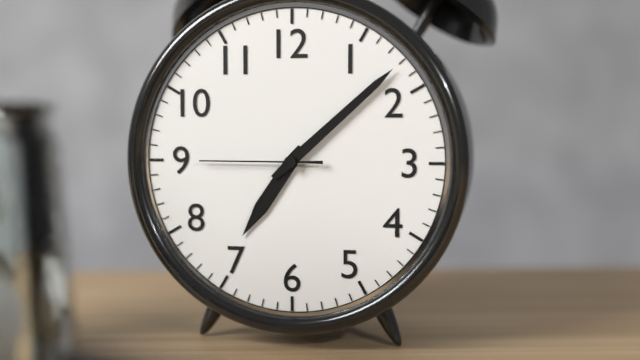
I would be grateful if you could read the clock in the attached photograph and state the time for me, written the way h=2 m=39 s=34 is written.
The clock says h=7 m=8 s=45
